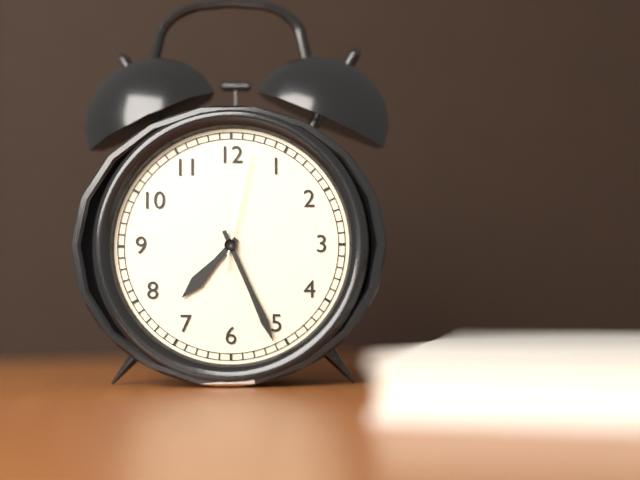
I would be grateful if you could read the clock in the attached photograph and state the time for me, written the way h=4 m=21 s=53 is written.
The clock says h=7 m=26 s=2
